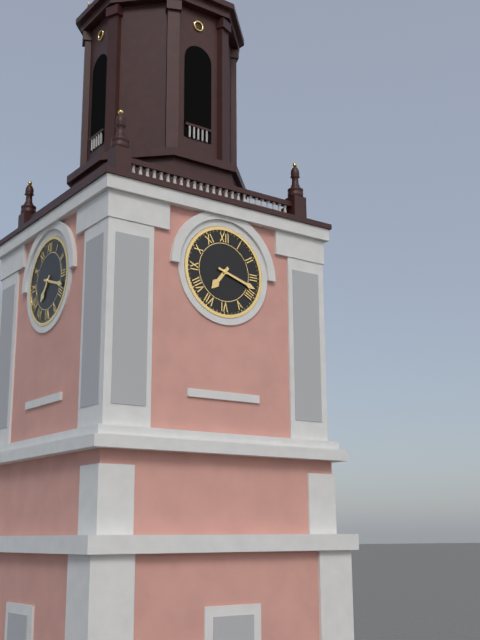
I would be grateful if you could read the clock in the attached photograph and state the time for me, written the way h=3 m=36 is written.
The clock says h=7 m=18
